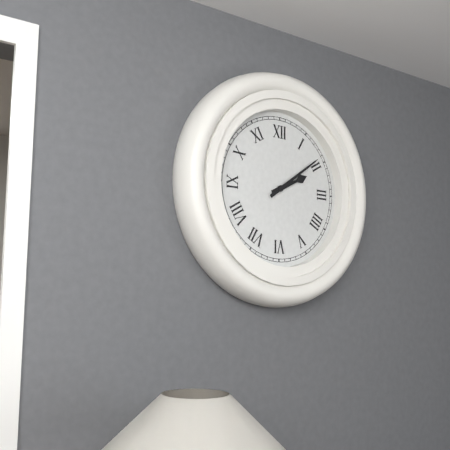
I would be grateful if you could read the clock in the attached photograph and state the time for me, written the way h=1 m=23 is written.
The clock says h=2 m=9
